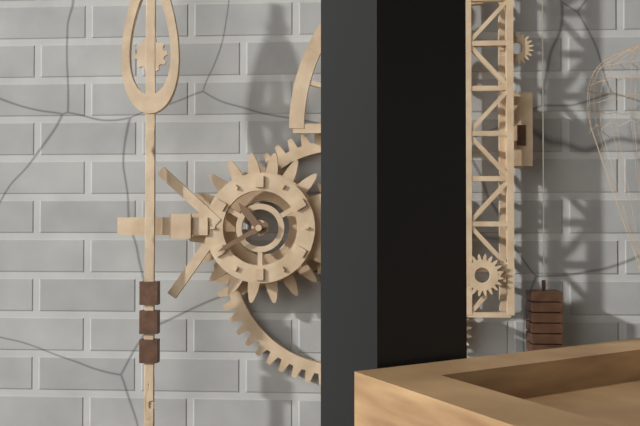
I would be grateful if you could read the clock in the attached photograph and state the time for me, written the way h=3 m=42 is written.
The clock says h=10 m=40
